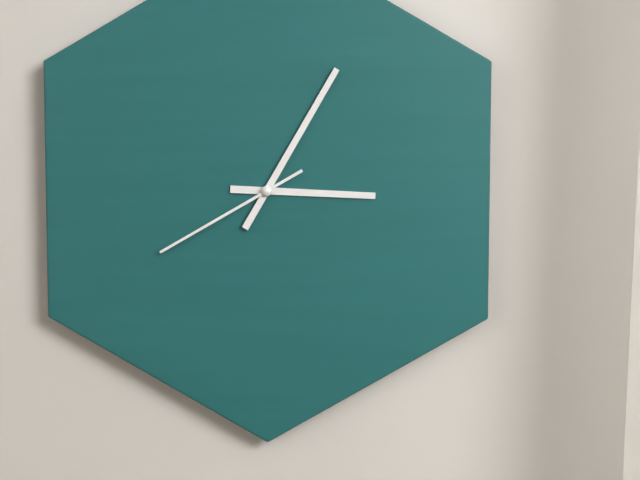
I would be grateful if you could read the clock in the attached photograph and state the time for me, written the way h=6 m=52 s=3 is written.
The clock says h=3 m=5 s=40
